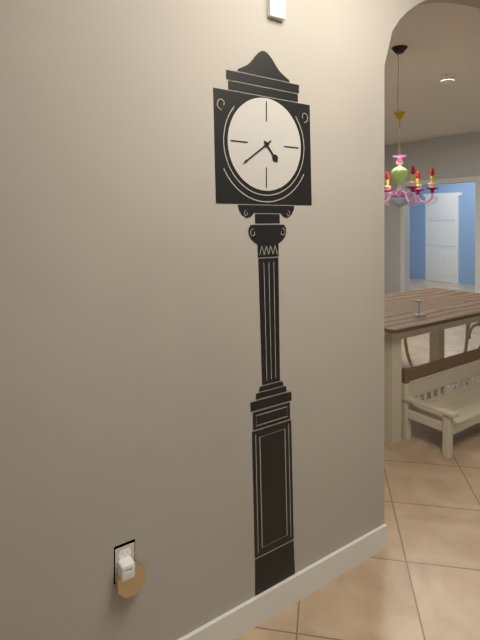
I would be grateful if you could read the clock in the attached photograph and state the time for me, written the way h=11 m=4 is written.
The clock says h=4 m=39
